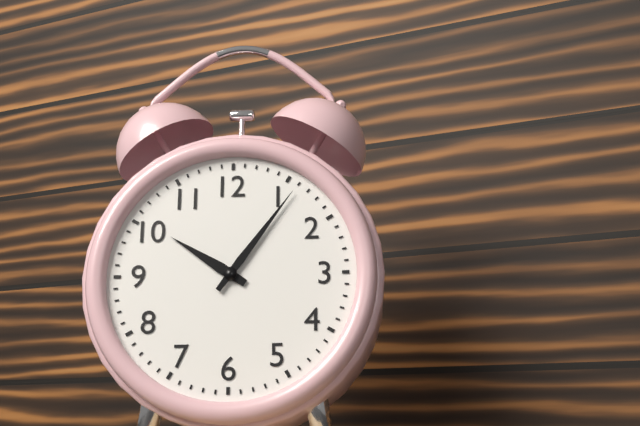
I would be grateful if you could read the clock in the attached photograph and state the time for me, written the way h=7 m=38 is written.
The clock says h=10 m=6
